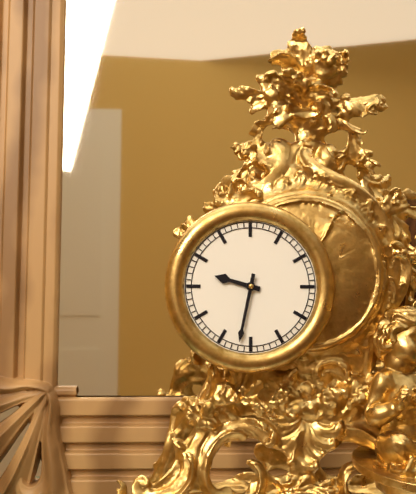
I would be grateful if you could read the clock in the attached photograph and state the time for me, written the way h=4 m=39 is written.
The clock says h=9 m=32
